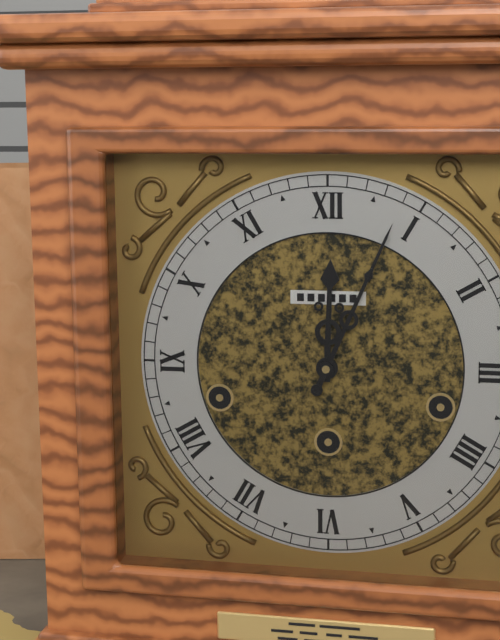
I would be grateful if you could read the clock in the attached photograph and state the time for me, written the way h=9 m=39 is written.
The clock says h=12 m=4
